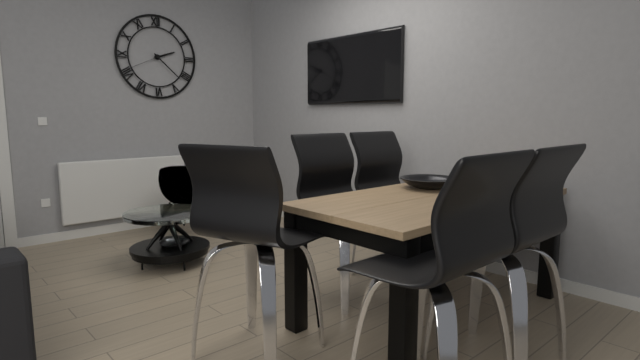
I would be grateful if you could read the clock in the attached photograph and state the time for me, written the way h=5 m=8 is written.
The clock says h=2 m=22
